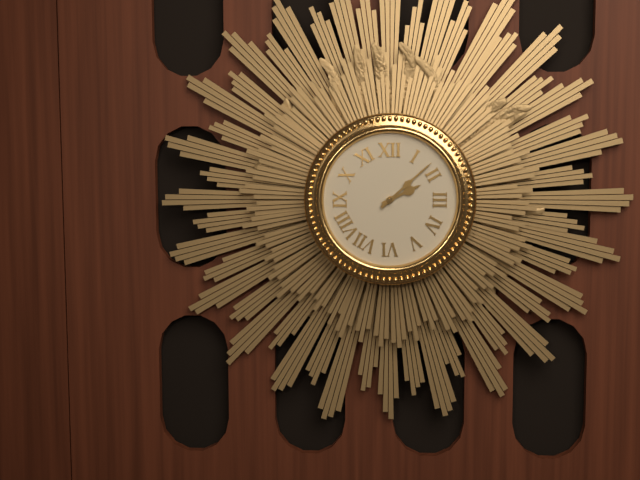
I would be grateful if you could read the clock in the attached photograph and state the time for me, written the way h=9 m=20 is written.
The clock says h=2 m=8
